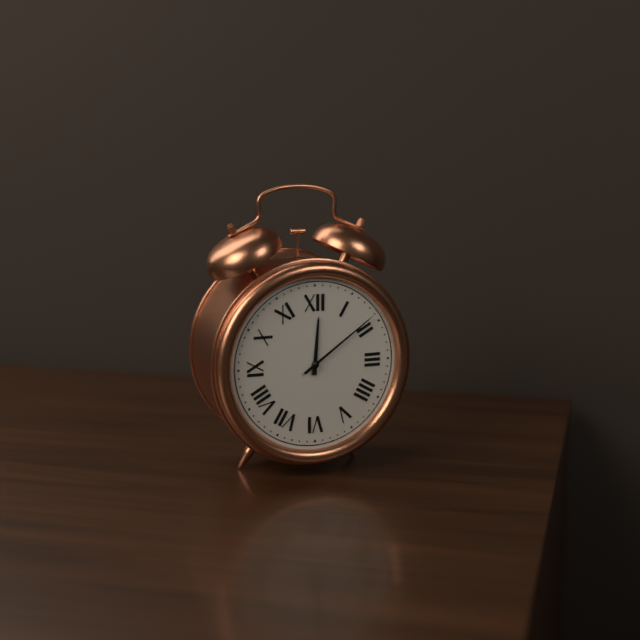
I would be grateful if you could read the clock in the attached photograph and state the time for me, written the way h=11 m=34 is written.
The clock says h=12 m=9
